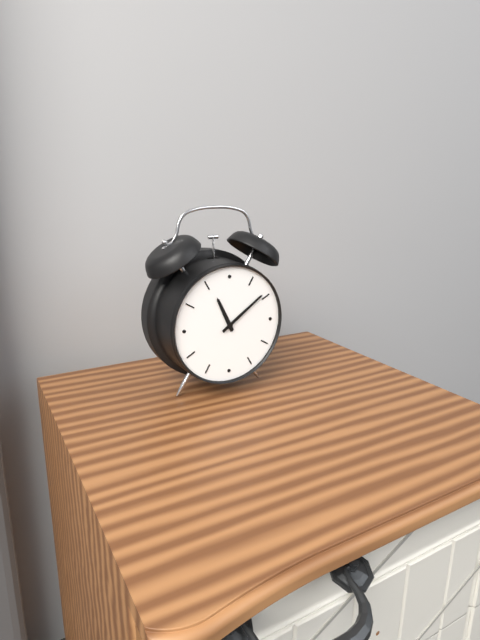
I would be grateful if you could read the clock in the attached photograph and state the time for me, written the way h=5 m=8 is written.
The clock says h=11 m=9
